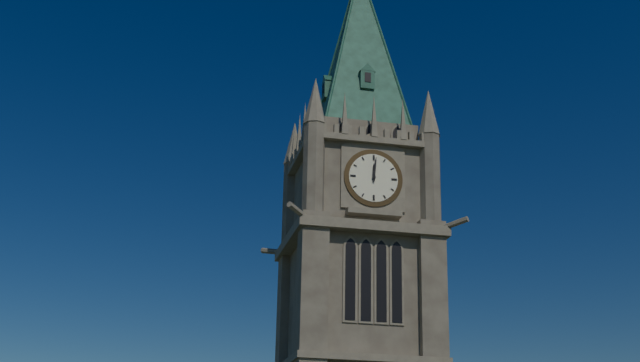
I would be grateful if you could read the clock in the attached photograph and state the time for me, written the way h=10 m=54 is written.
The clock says h=12 m=1
